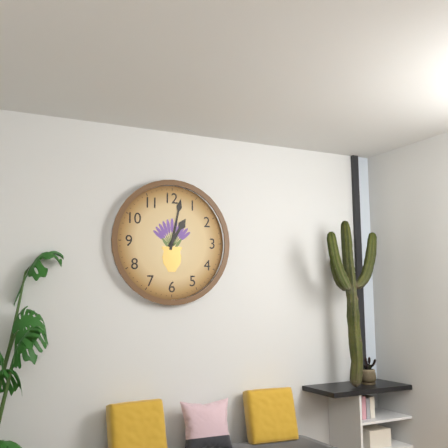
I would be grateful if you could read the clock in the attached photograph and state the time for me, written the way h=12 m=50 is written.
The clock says h=1 m=2
